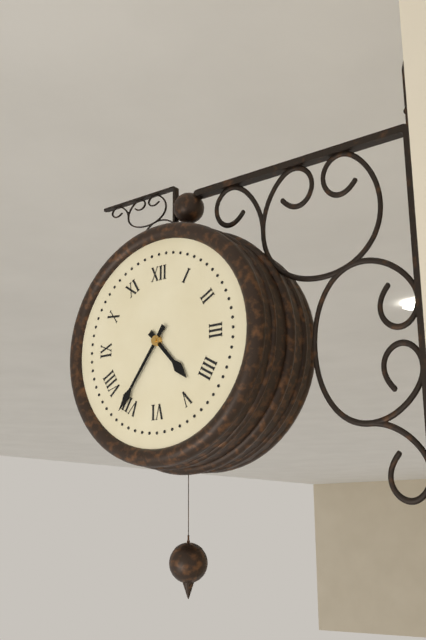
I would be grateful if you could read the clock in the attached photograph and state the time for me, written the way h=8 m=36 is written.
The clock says h=4 m=36
